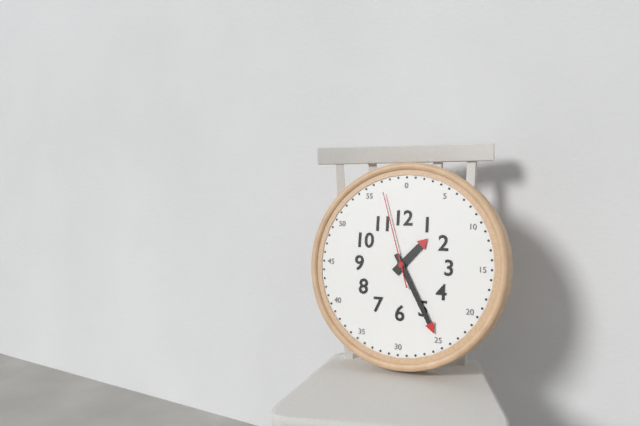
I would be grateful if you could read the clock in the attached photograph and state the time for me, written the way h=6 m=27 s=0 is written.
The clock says h=1 m=25 s=57
